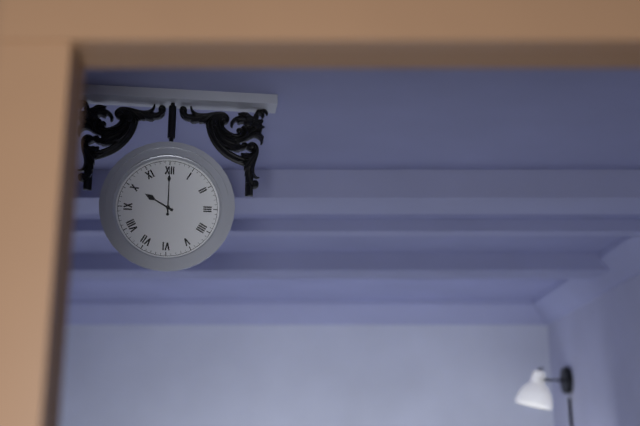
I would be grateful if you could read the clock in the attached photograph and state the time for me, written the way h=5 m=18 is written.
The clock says h=10 m=0
